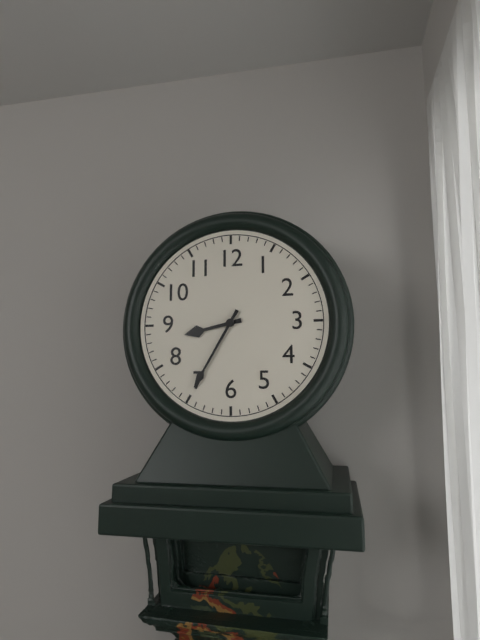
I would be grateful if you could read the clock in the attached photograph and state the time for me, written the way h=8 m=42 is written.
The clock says h=8 m=35
